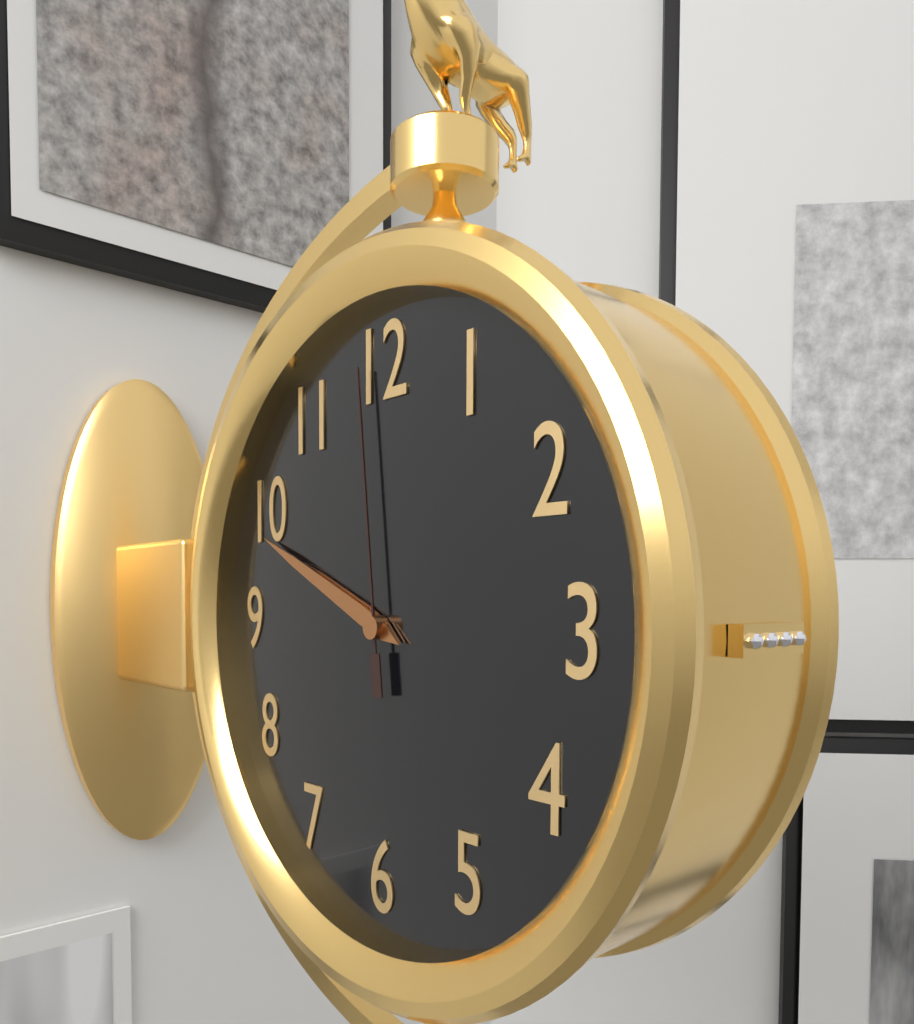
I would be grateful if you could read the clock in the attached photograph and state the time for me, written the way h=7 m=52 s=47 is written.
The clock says h=9 m=49 s=59
